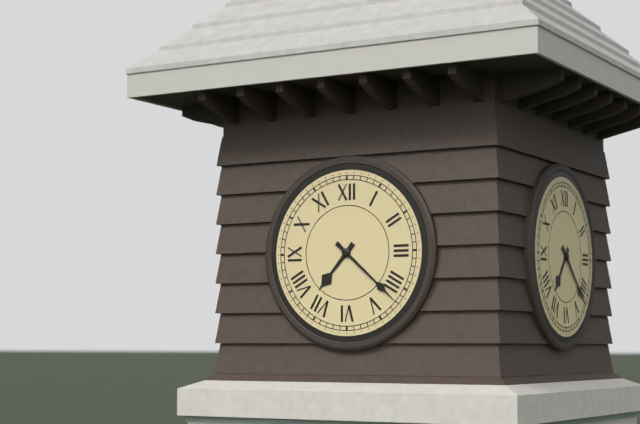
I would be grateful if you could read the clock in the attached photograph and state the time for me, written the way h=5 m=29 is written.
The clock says h=7 m=22
